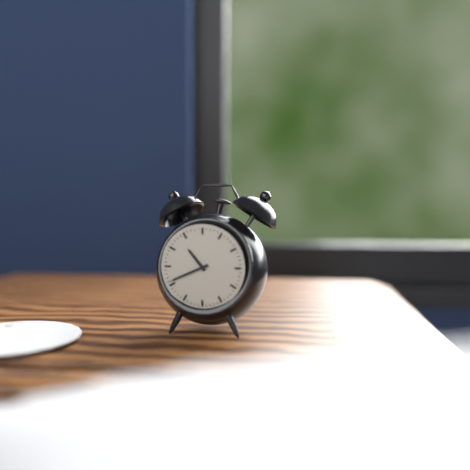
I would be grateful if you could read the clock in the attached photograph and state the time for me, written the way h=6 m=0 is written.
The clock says h=10 m=41
